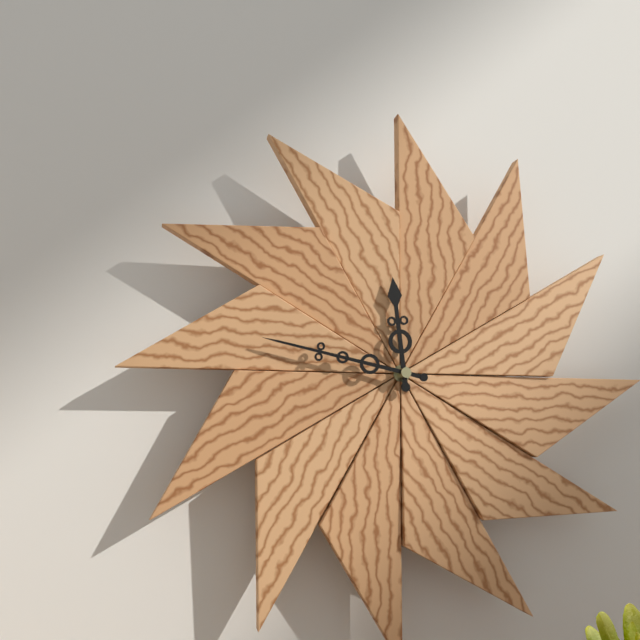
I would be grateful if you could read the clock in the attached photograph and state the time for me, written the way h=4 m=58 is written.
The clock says h=11 m=47
